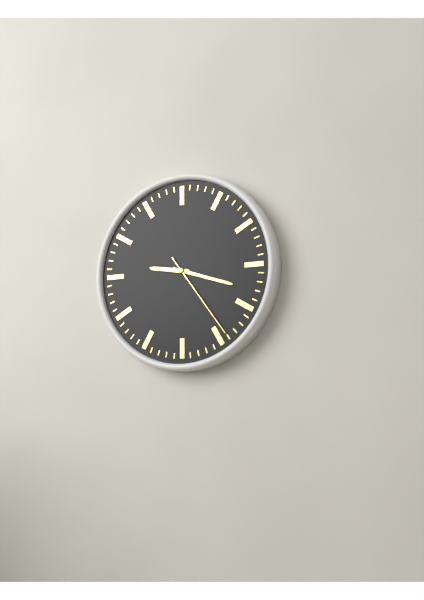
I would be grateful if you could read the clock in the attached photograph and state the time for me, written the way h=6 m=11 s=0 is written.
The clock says h=9 m=18 s=24
